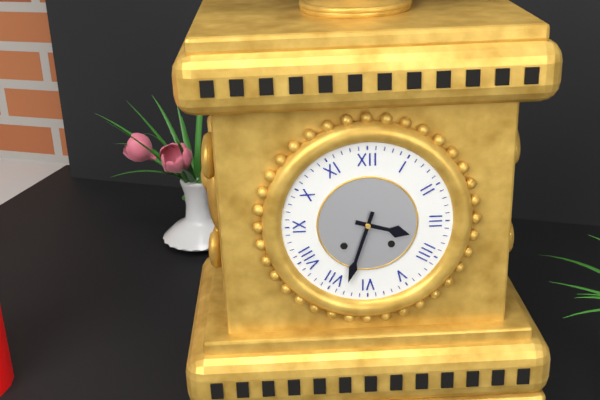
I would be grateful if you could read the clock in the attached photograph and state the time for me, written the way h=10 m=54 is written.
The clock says h=3 m=33
